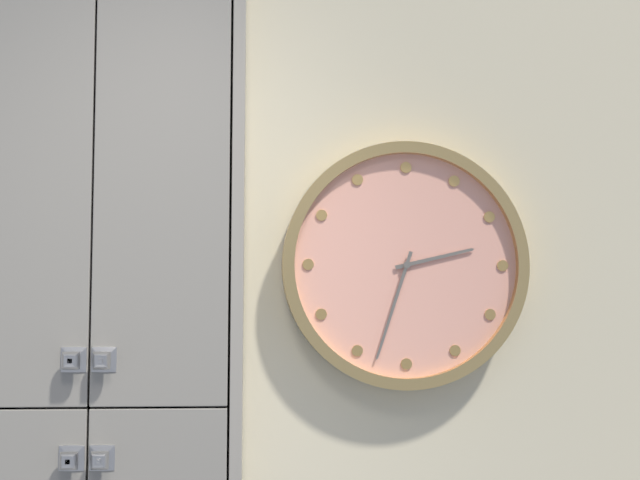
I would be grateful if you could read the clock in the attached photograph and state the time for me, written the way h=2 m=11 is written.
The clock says h=2 m=33
